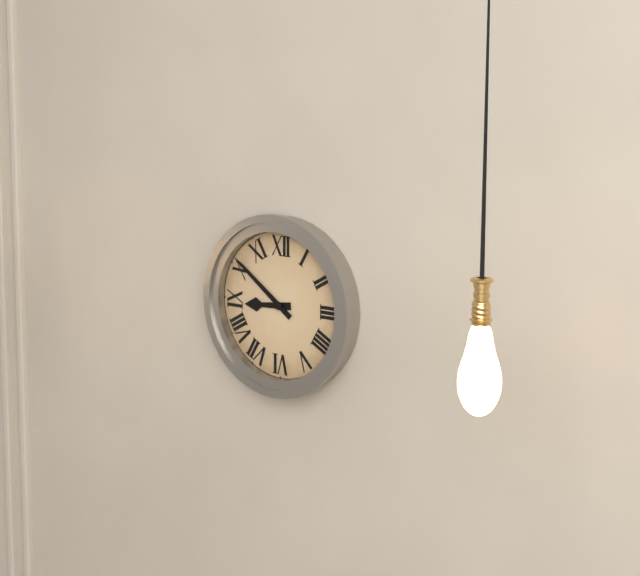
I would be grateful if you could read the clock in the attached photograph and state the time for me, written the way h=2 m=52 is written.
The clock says h=8 m=51
